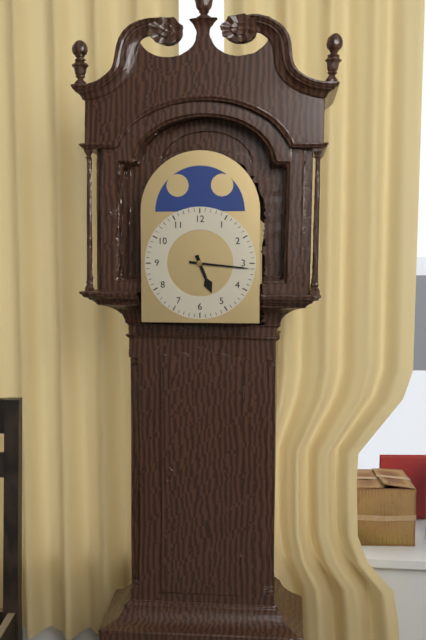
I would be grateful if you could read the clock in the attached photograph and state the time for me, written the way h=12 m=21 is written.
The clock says h=5 m=16
